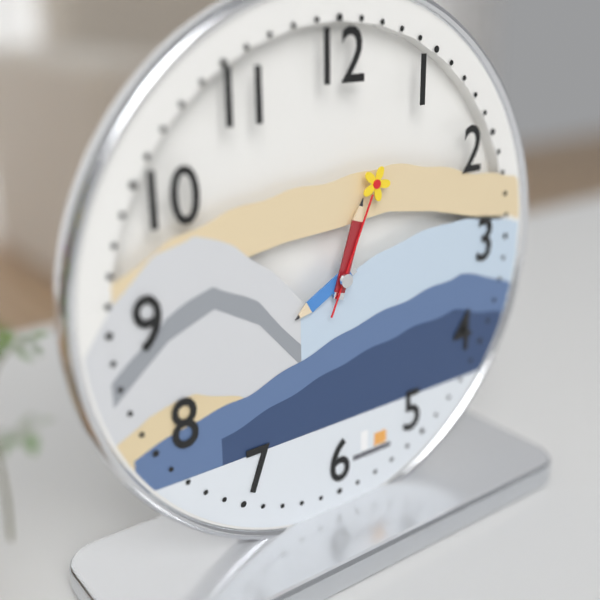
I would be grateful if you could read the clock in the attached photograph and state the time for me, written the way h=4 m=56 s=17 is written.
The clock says h=8 m=3 s=4
